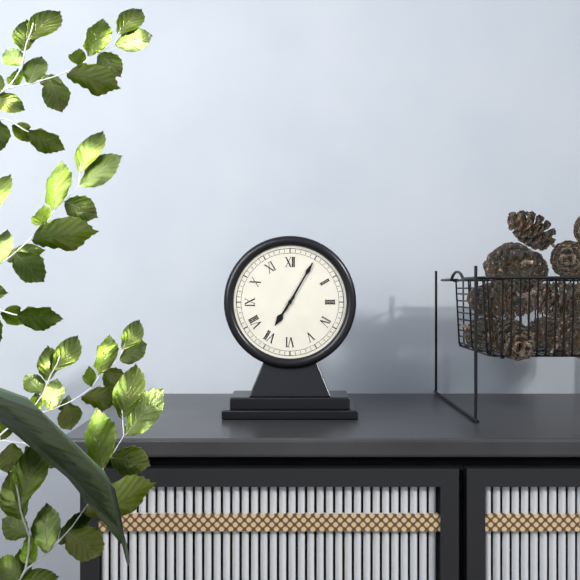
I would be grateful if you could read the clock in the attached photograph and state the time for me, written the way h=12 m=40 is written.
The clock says h=7 m=5
